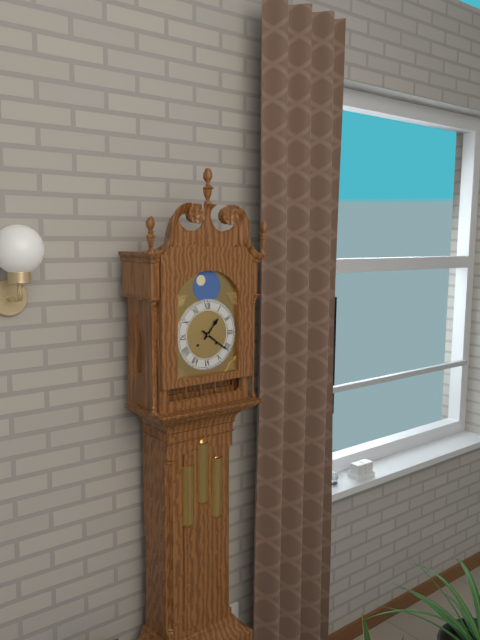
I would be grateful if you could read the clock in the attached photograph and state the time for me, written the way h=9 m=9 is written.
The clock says h=1 m=21
